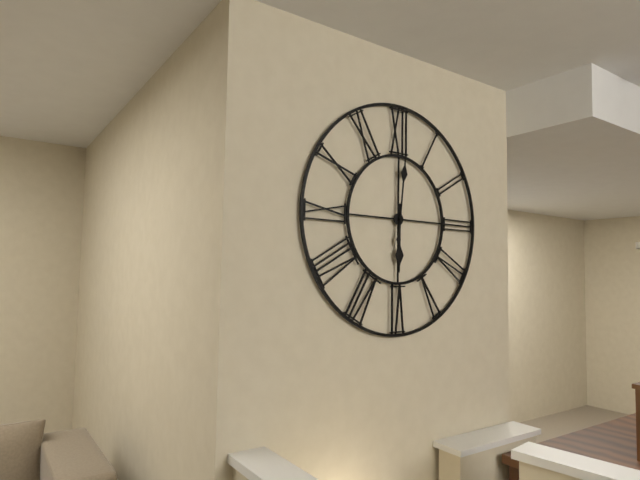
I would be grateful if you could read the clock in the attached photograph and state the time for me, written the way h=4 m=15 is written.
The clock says h=6 m=1
